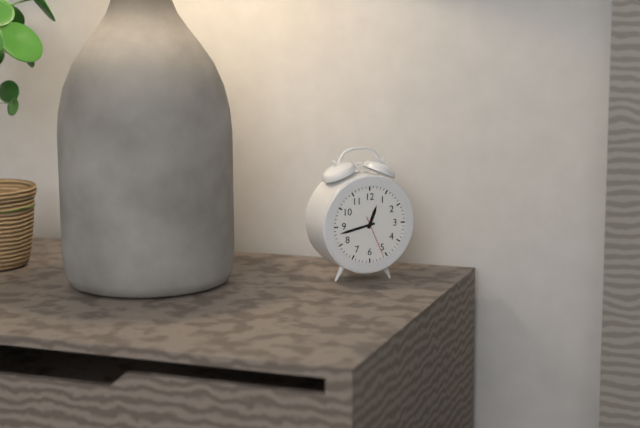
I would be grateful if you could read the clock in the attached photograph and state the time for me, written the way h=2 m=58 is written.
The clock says h=12 m=43
